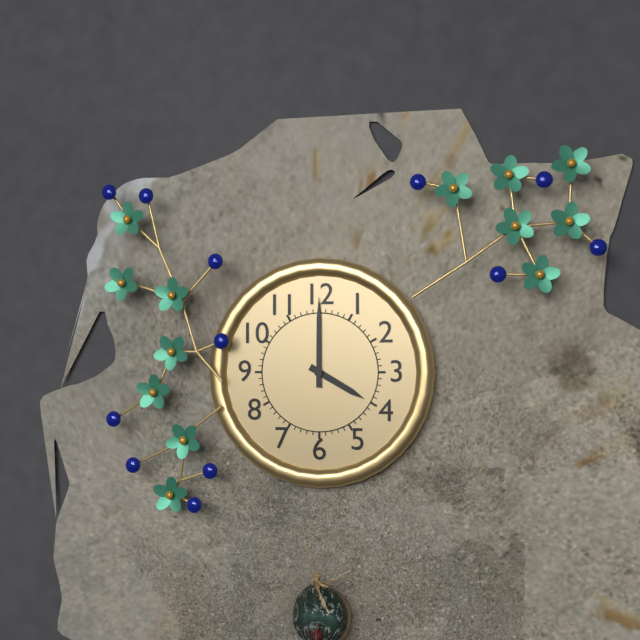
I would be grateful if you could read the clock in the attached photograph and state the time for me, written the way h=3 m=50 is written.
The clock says h=4 m=0
